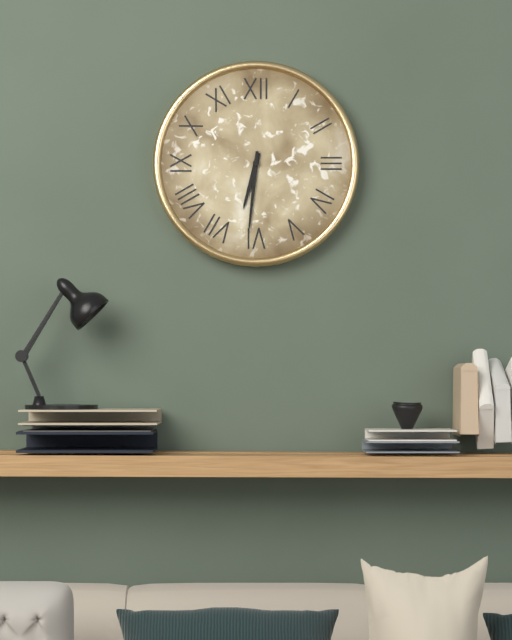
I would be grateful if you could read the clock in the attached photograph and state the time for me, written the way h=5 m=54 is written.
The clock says h=6 m=31
